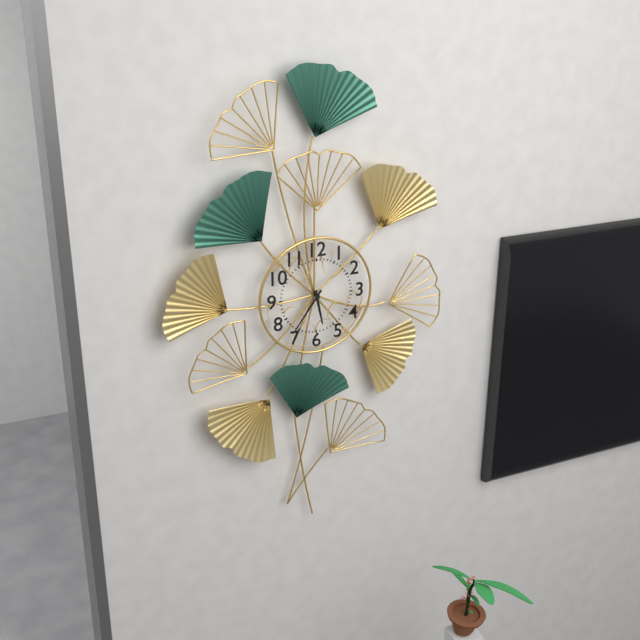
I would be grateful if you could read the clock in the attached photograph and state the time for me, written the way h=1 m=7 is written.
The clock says h=5 m=36
